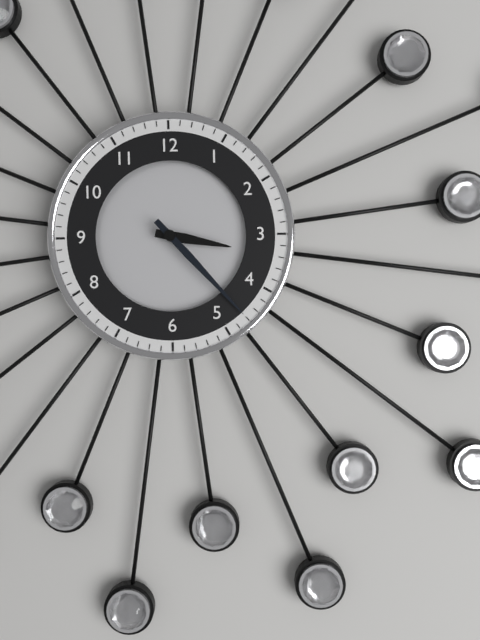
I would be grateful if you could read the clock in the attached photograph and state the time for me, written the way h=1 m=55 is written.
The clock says h=3 m=23
